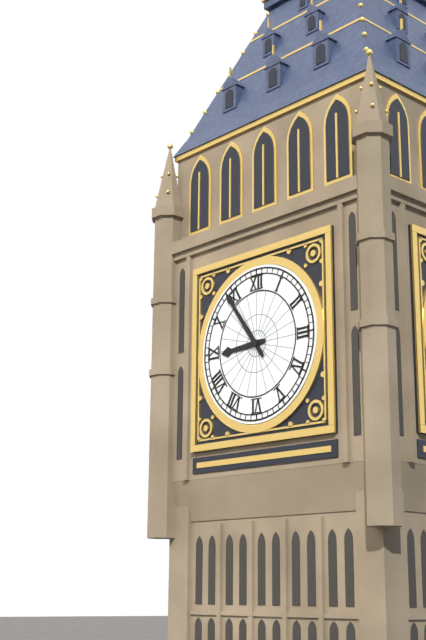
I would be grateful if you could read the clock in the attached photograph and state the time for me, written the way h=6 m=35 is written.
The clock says h=8 m=54
